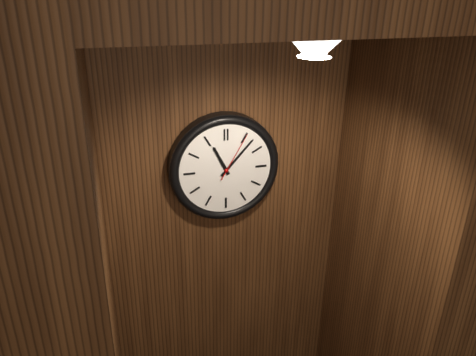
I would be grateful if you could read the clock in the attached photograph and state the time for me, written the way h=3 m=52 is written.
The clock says h=11 m=7
